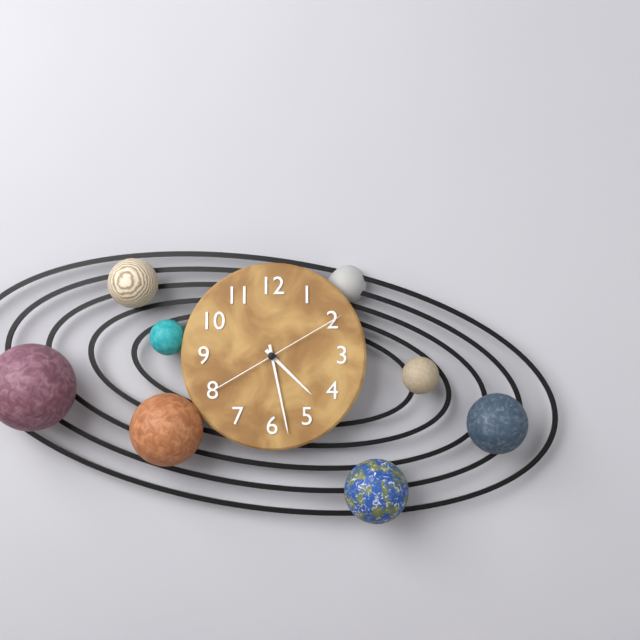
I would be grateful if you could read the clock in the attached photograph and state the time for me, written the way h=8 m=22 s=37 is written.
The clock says h=4 m=28 s=10
